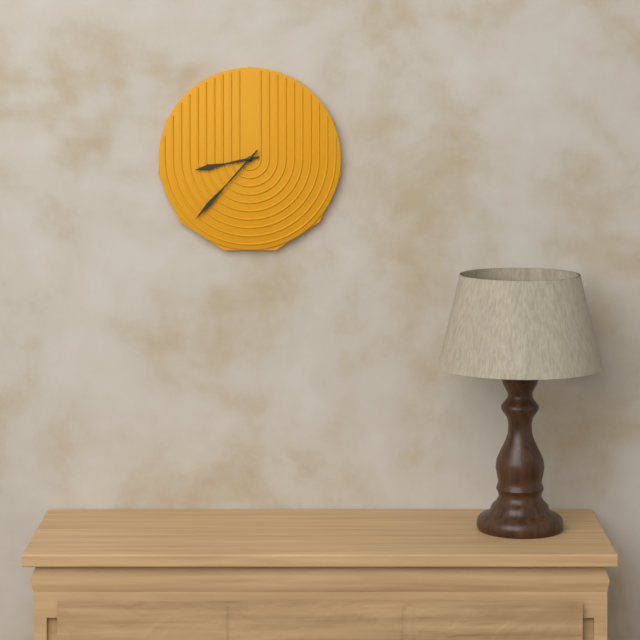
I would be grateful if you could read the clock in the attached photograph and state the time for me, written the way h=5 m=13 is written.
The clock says h=8 m=37
